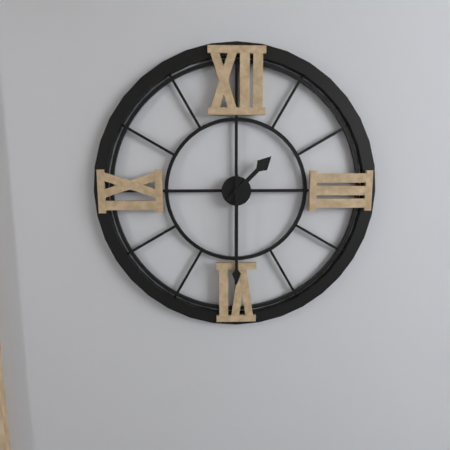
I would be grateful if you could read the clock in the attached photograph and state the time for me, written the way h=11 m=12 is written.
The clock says h=1 m=30
